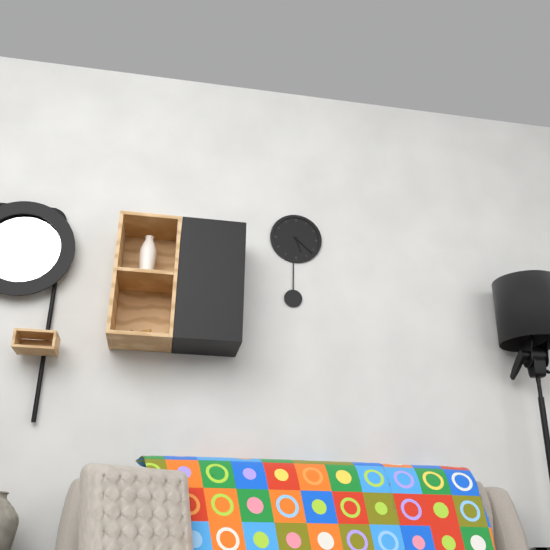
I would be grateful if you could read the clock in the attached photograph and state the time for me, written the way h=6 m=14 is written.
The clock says h=5 m=22
